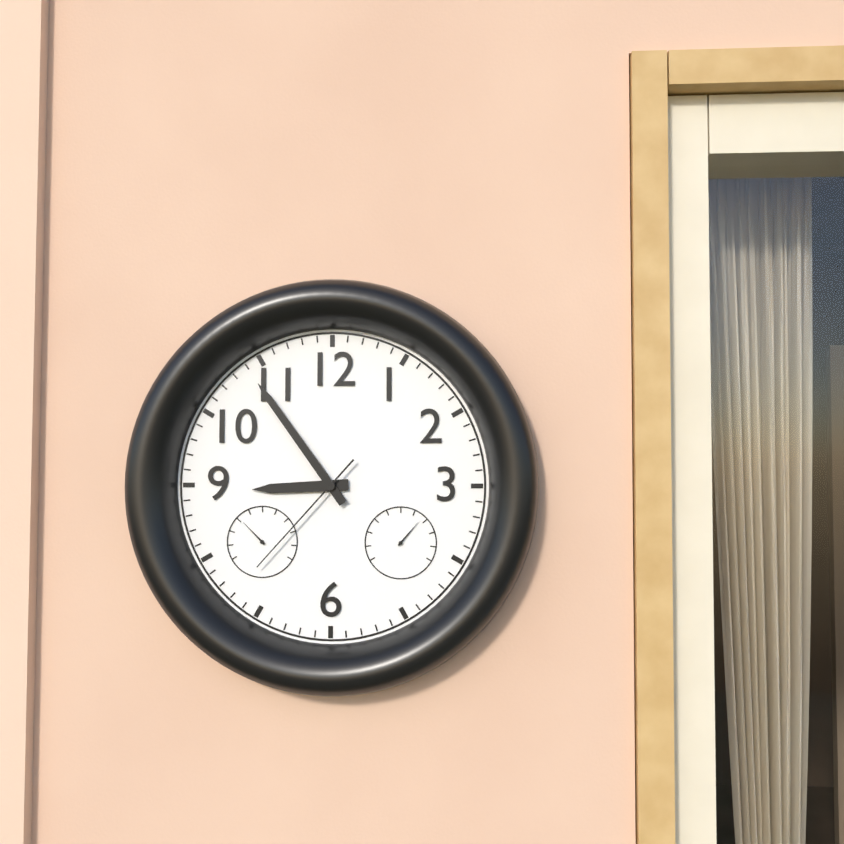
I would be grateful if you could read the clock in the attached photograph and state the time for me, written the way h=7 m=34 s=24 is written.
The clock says h=8 m=54 s=37
